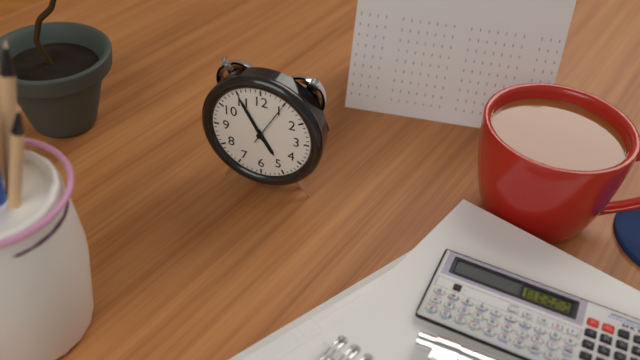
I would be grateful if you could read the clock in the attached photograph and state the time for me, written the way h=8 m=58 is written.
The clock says h=4 m=55
